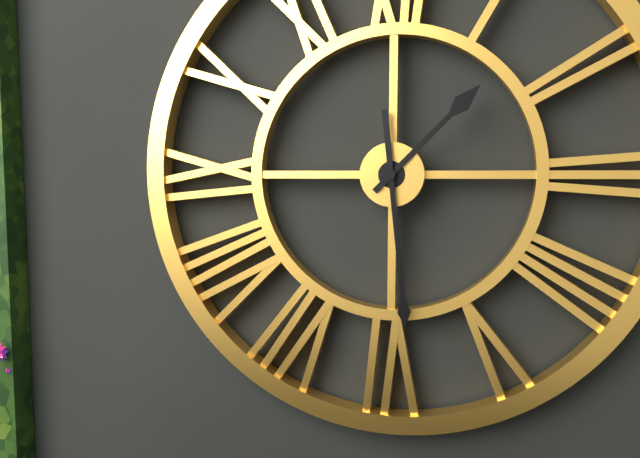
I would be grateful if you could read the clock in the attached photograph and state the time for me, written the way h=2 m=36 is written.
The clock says h=1 m=29
